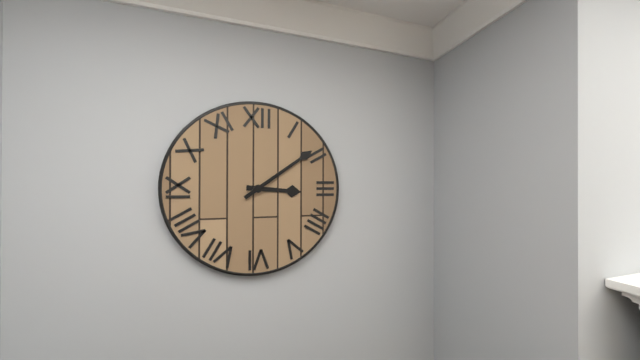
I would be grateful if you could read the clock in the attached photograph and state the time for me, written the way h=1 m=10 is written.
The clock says h=3 m=9
